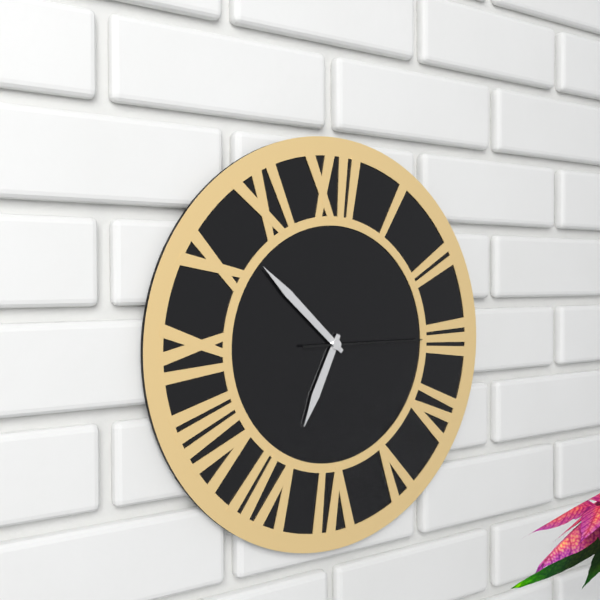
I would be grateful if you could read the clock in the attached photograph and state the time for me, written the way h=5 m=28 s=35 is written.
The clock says h=6 m=52 s=15
